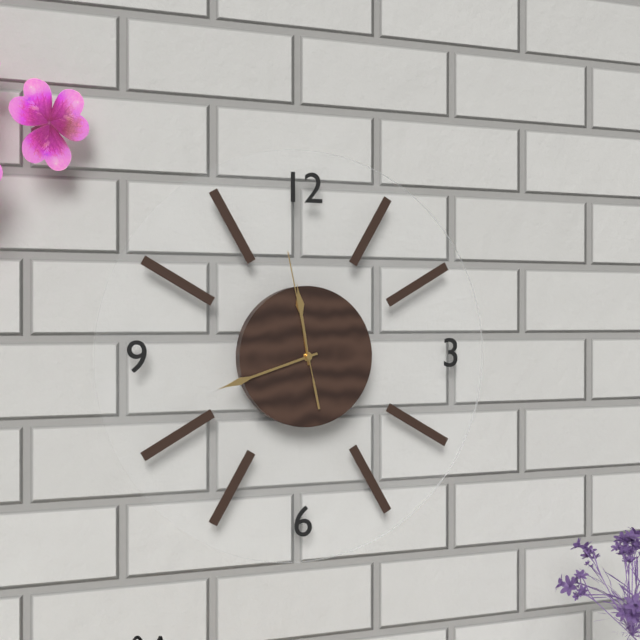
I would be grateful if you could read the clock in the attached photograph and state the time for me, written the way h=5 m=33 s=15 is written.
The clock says h=11 m=42 s=58
